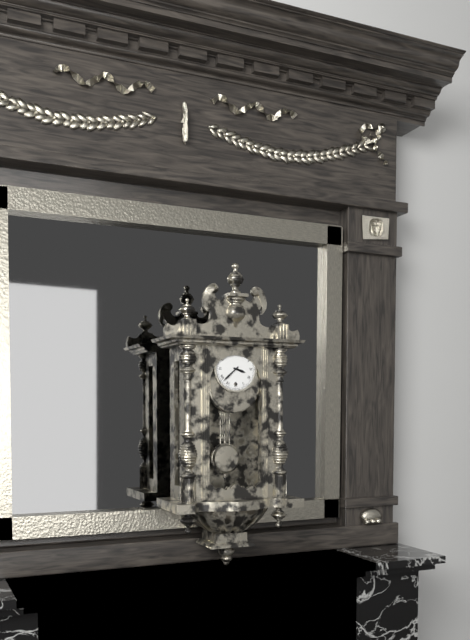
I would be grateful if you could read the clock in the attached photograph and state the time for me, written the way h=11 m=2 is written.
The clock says h=3 m=38
